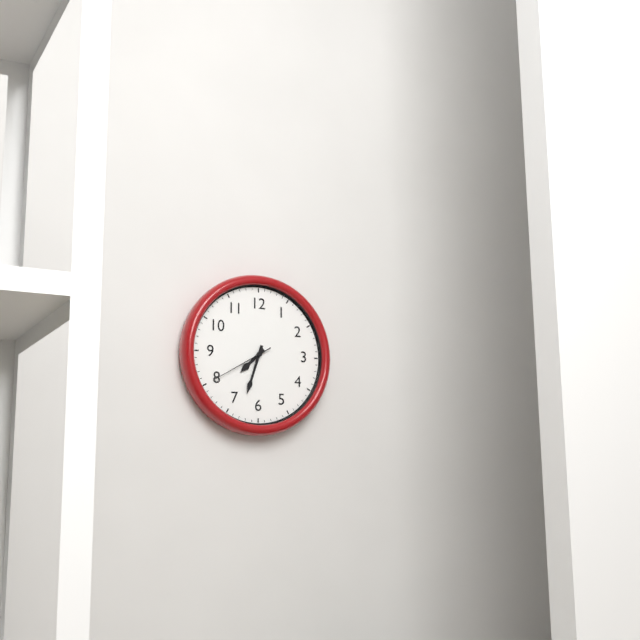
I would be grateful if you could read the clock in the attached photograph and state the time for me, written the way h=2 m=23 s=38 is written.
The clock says h=7 m=33 s=40
